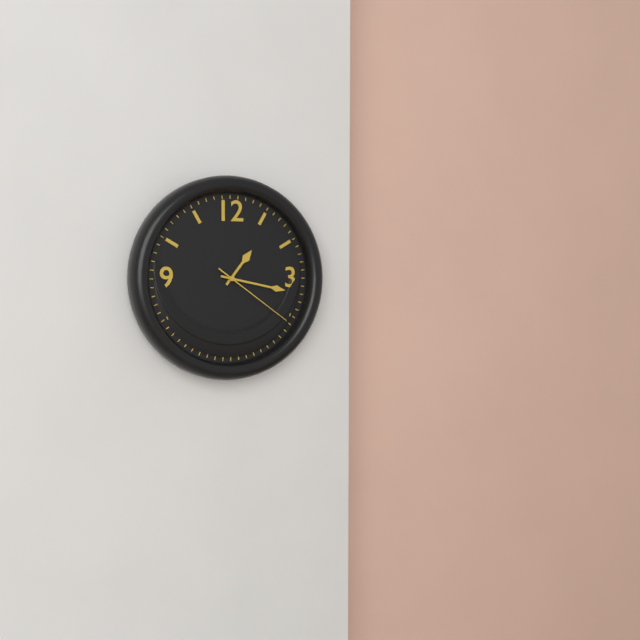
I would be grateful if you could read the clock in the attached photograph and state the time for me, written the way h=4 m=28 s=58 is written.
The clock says h=1 m=17 s=21
